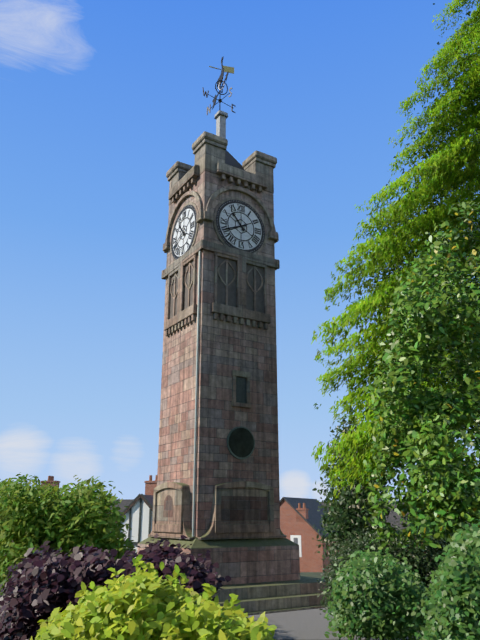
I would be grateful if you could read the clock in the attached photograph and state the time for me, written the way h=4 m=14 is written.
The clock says h=10 m=41
